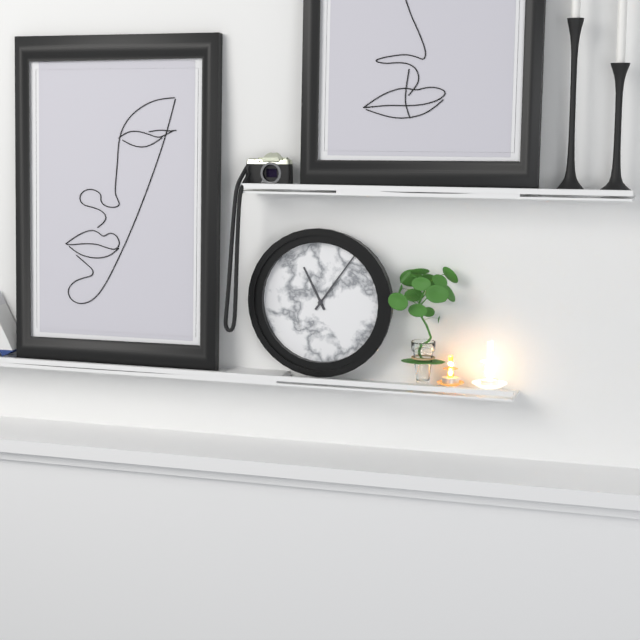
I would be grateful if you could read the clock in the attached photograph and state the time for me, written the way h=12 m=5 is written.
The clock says h=11 m=6
